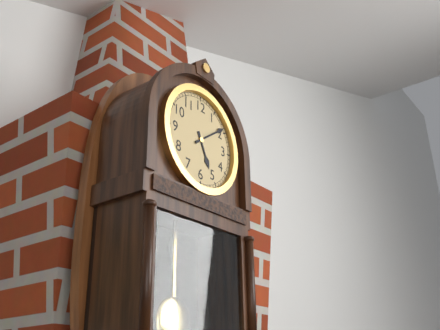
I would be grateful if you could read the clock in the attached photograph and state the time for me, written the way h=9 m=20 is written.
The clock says h=5 m=9
